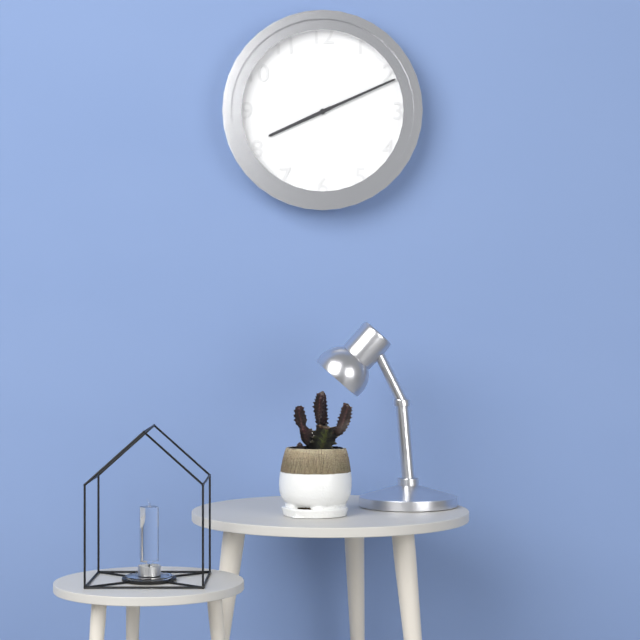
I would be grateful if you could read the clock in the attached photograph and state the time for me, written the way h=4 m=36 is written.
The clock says h=8 m=11
